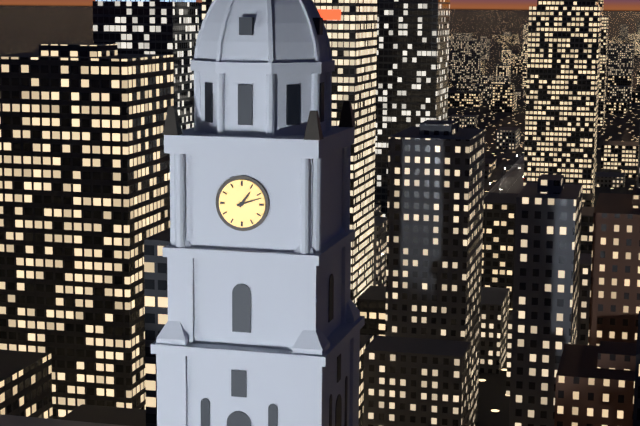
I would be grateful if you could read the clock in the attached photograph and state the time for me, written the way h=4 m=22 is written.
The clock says h=1 m=12
